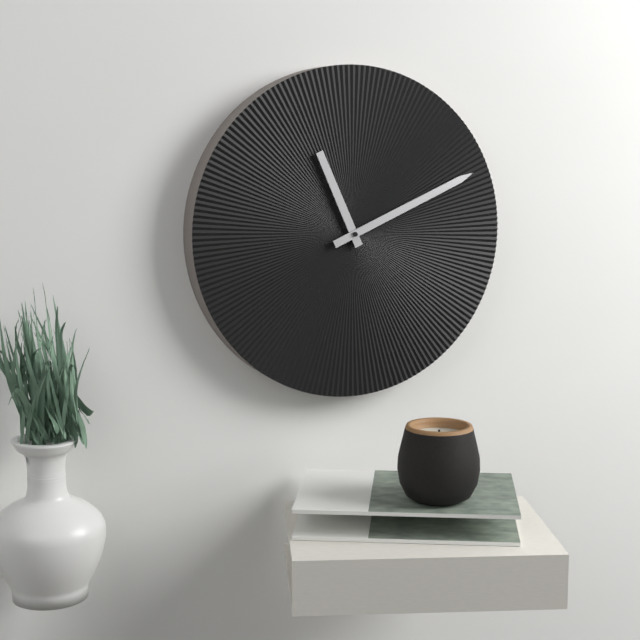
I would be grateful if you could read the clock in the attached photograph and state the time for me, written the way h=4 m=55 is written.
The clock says h=11 m=11
